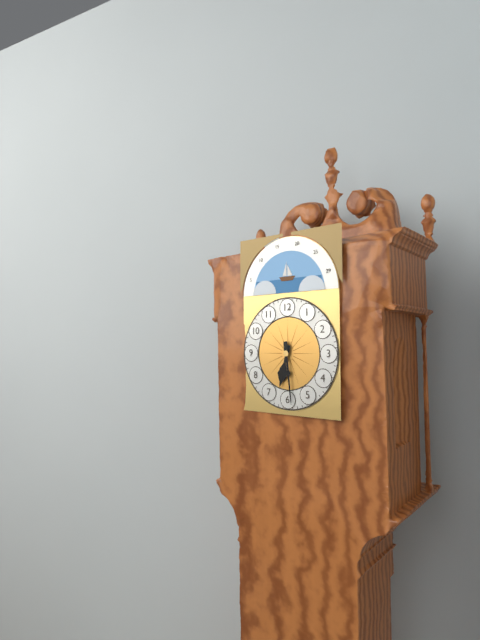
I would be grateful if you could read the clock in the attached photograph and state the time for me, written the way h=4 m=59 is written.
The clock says h=6 m=29
